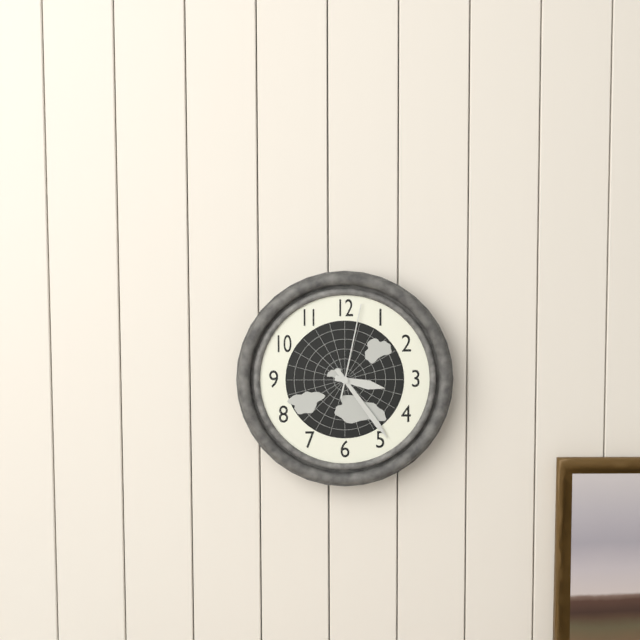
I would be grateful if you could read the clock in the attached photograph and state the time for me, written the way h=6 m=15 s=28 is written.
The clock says h=3 m=24 s=2
